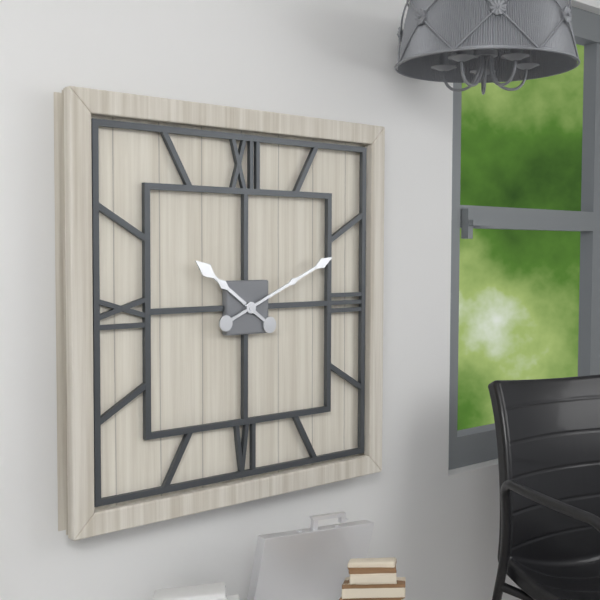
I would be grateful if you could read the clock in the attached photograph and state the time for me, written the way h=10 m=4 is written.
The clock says h=10 m=11
